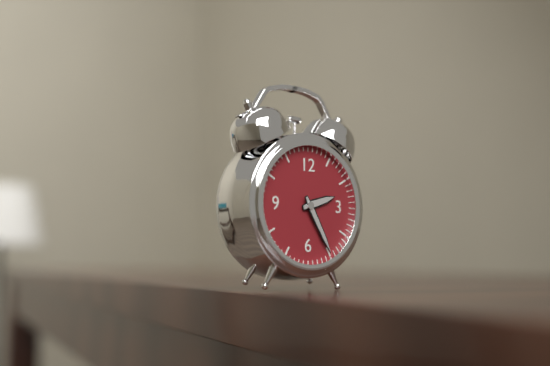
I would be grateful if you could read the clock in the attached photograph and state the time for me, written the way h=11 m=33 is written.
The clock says h=2 m=25
